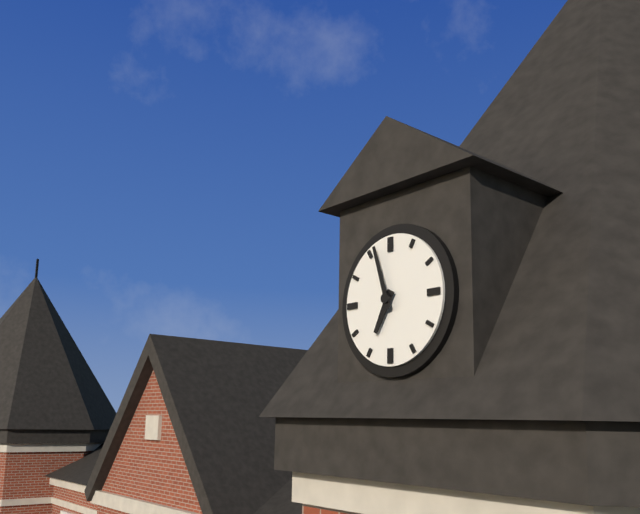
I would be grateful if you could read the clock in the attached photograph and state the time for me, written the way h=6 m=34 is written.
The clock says h=6 m=57
